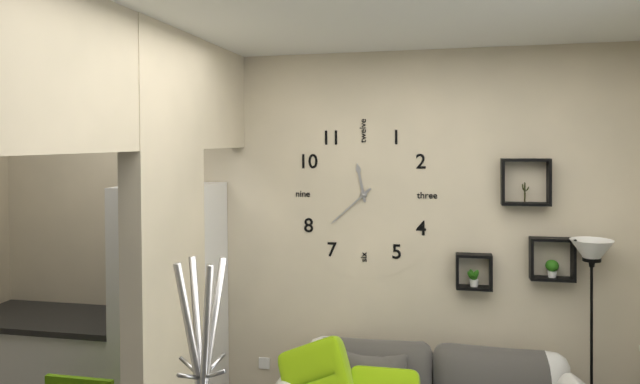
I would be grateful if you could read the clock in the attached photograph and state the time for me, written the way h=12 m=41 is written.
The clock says h=11 m=38
